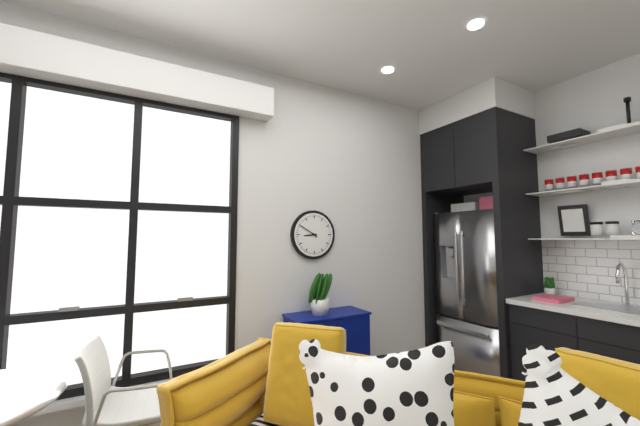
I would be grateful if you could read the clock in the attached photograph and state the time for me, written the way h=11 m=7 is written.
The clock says h=8 m=50
